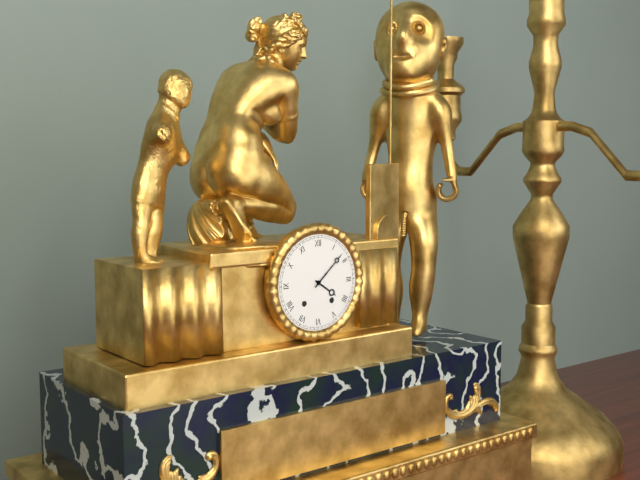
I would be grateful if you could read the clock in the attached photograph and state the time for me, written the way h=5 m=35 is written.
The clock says h=4 m=8
